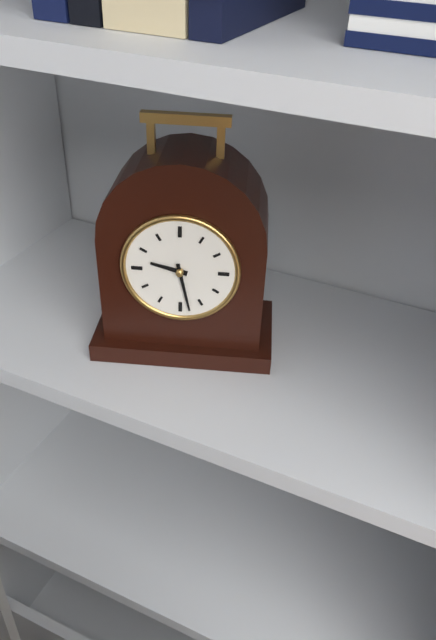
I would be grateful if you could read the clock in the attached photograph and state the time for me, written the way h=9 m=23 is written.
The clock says h=9 m=28
